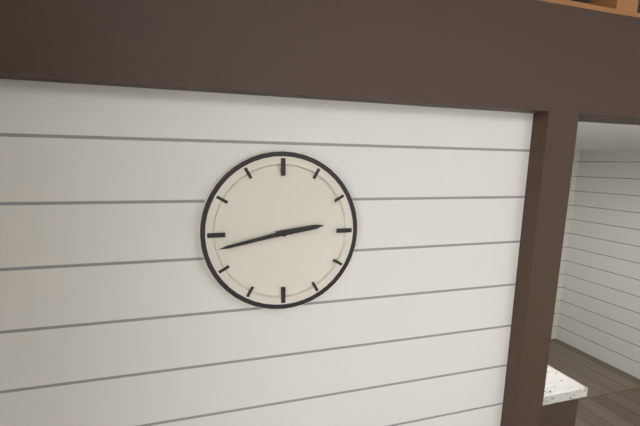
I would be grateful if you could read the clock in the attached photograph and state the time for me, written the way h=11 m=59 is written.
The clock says h=2 m=43
